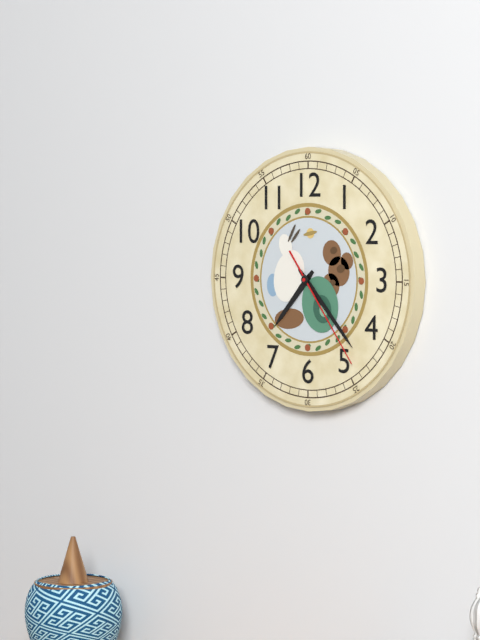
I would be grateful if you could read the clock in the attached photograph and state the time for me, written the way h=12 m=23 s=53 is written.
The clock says h=7 m=23 s=24
